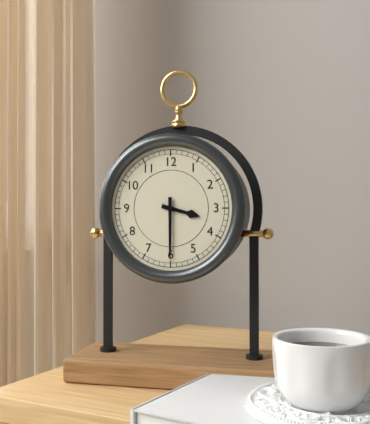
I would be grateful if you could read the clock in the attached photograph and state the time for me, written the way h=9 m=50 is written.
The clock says h=3 m=30
